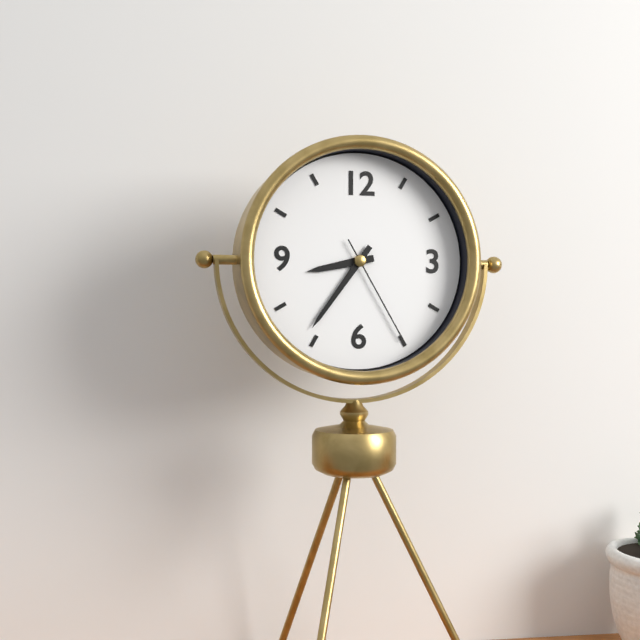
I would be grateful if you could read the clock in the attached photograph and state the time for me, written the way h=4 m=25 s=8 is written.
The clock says h=8 m=36 s=25
